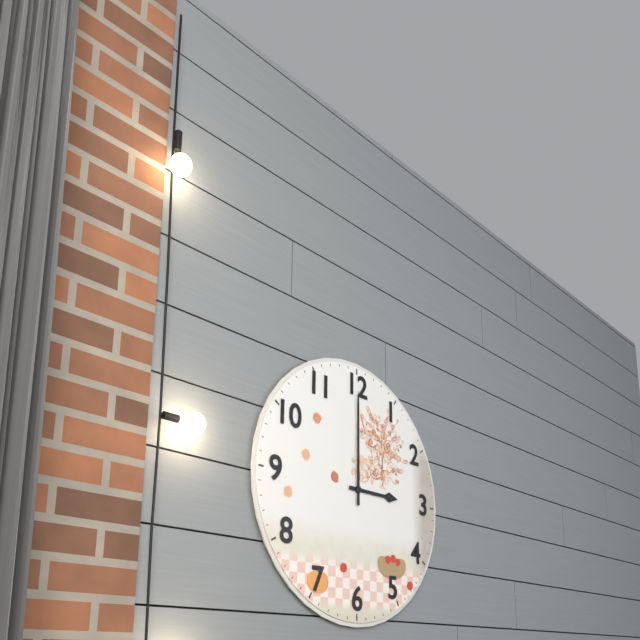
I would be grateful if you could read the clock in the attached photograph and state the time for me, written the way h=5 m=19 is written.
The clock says h=3 m=0
